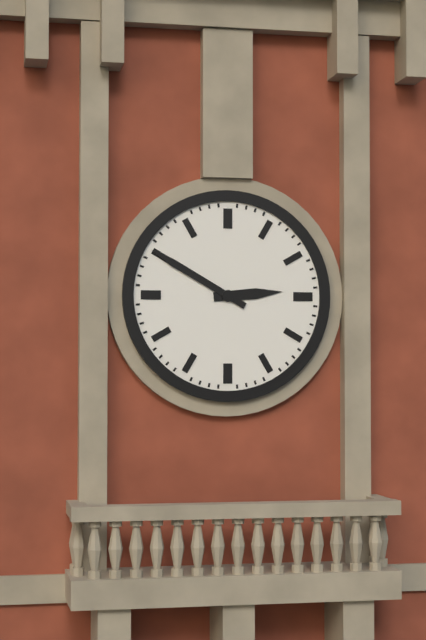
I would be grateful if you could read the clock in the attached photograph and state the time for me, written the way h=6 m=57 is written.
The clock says h=2 m=50
